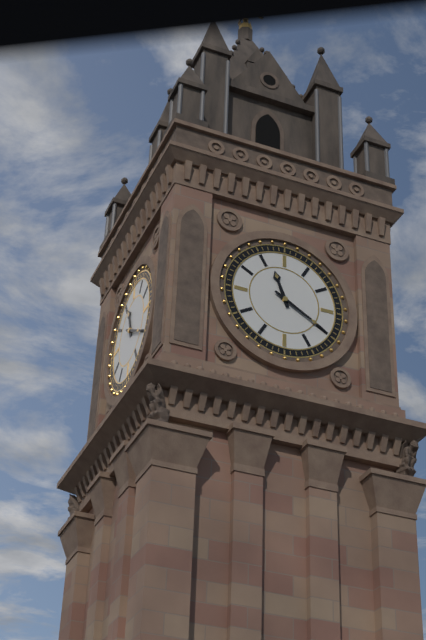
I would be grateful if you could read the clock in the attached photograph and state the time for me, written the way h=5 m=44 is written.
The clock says h=11 m=20
